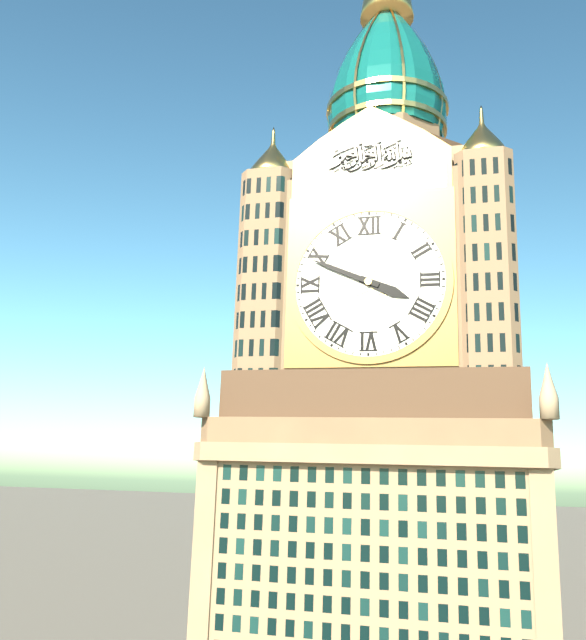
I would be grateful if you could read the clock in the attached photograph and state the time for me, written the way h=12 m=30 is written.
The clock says h=3 m=49
